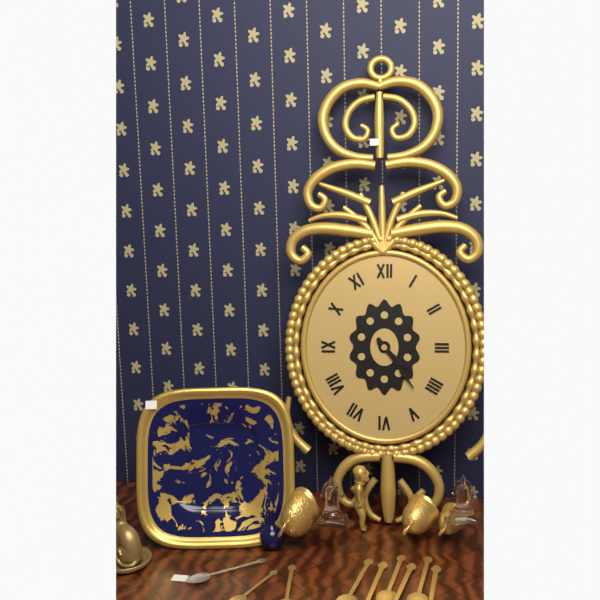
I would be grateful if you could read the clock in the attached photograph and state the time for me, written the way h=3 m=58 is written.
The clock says h=4 m=24
